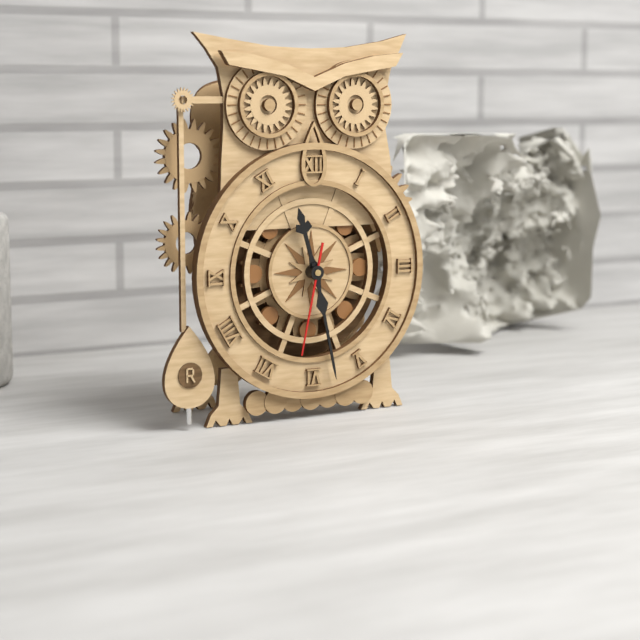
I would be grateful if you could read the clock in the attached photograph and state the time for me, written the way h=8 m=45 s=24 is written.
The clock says h=11 m=28 s=32
